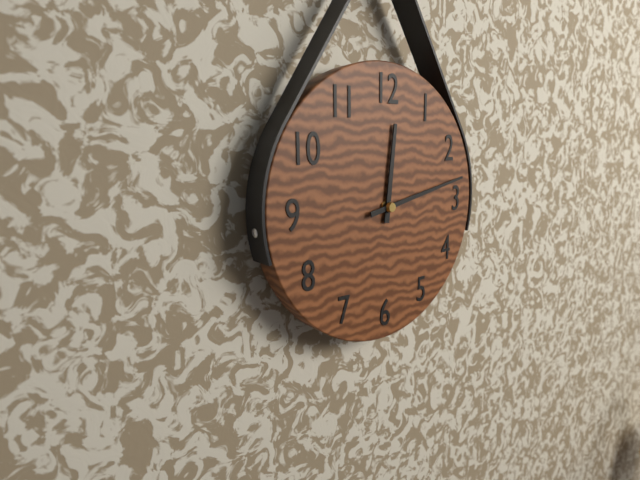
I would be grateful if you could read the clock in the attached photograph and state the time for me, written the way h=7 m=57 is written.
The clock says h=12 m=13
